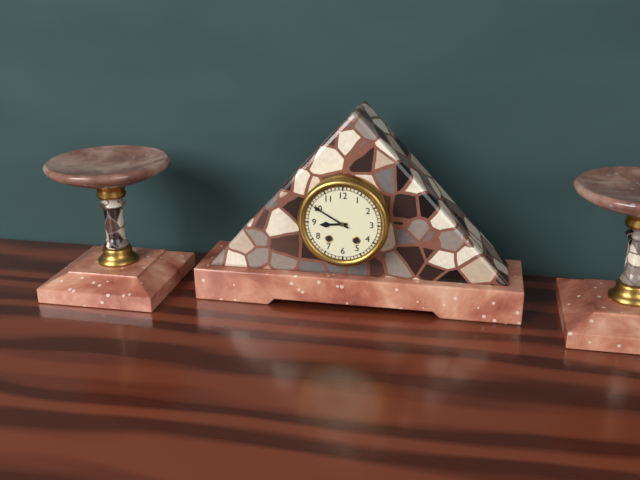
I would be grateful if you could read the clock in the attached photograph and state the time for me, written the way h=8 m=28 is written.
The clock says h=8 m=50
